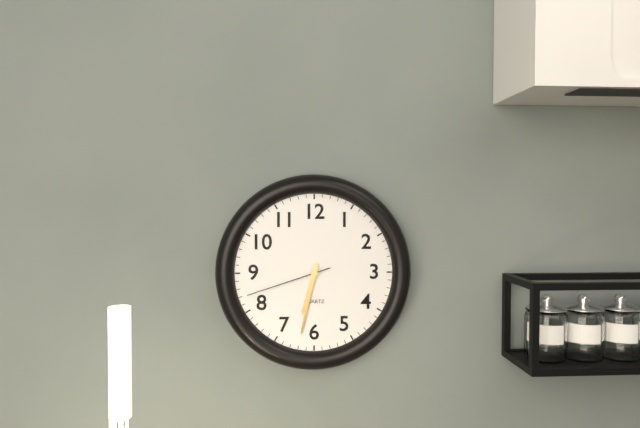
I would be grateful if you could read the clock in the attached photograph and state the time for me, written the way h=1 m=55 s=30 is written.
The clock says h=6 m=32 s=42
